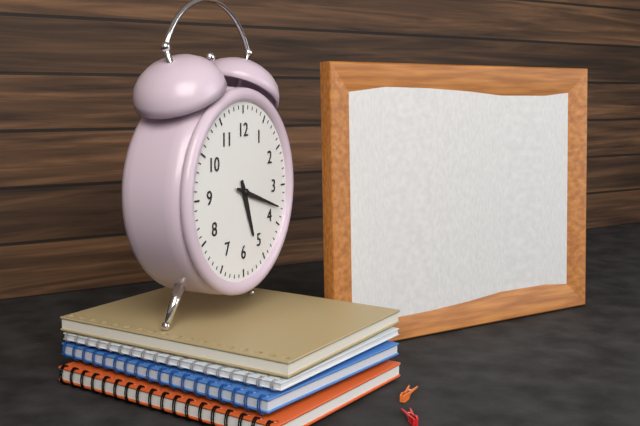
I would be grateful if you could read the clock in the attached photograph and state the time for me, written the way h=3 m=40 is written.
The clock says h=5 m=18
